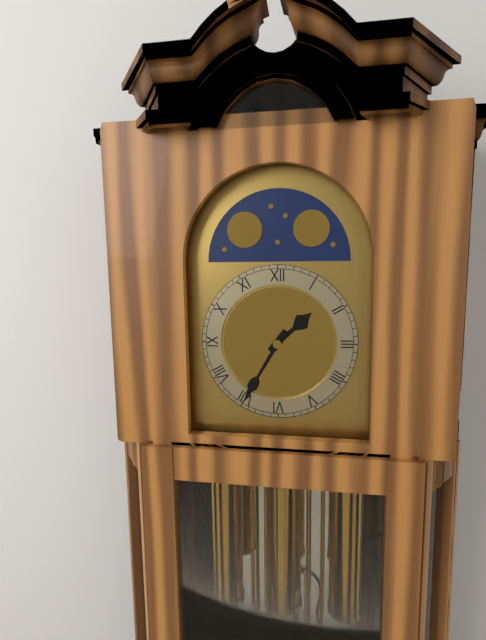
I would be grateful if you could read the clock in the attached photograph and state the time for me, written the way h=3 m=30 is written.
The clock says h=1 m=35
